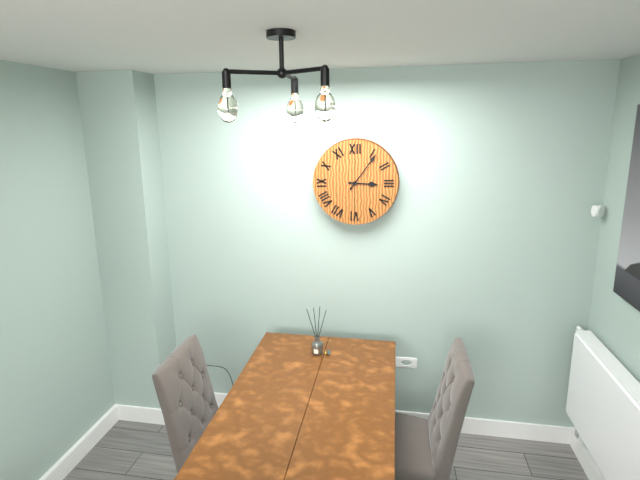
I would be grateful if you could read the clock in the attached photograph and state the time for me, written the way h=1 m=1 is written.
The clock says h=3 m=6
